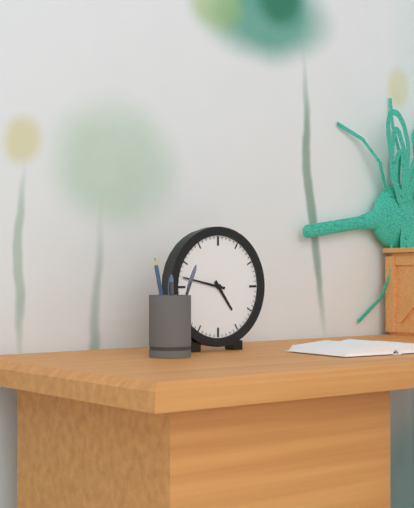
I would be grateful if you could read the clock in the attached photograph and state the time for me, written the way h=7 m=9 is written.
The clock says h=4 m=47
